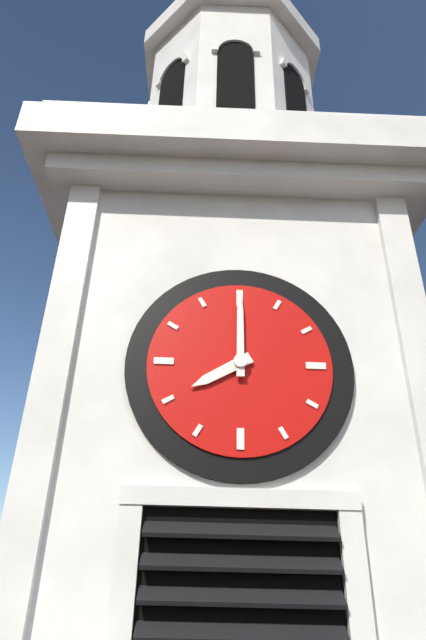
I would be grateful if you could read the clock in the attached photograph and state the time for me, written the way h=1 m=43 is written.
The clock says h=8 m=0
